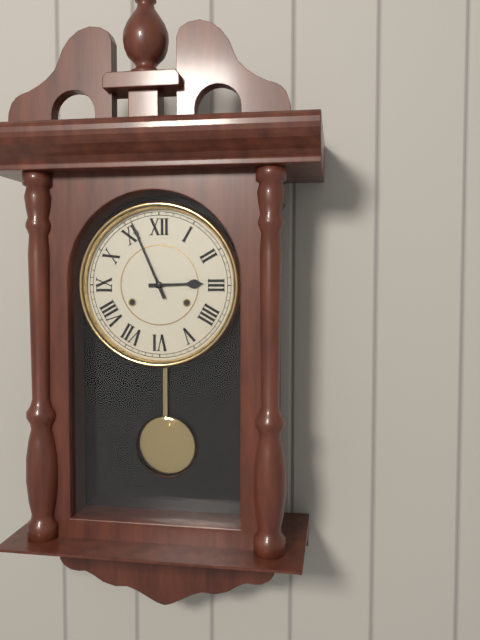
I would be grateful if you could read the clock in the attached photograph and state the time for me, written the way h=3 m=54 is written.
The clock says h=2 m=56
